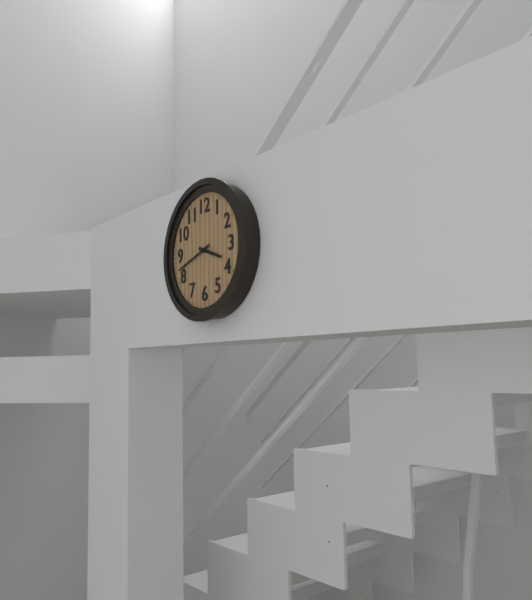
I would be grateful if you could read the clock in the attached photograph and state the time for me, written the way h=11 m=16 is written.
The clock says h=3 m=42
